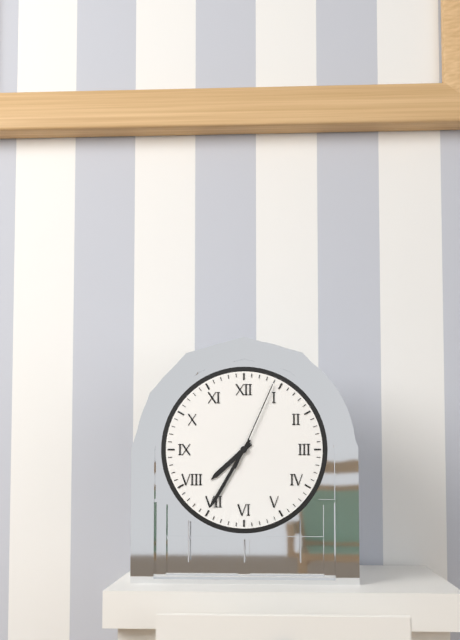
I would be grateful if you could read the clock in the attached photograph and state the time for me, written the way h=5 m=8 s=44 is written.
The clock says h=7 m=35 s=4
